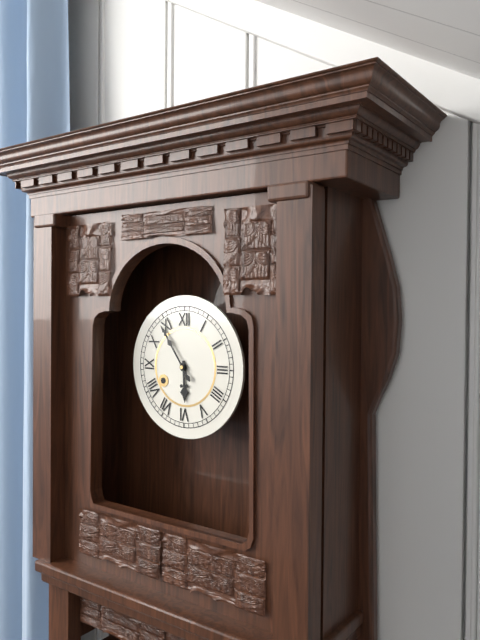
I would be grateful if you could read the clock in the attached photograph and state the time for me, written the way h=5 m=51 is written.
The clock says h=5 m=54
